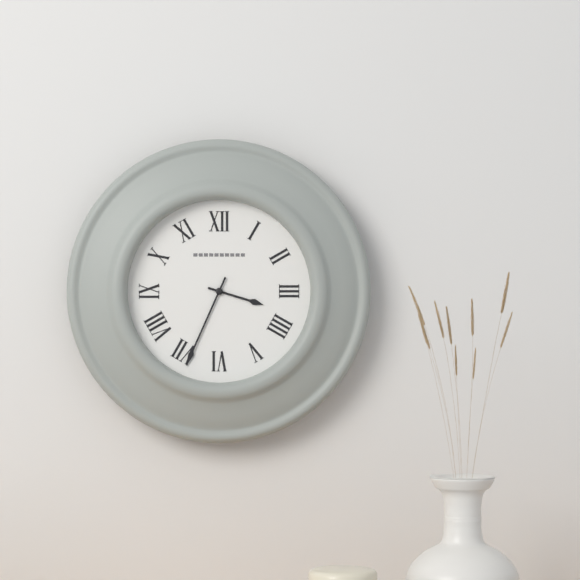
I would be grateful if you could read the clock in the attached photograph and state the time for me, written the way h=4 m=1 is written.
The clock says h=3 m=34
